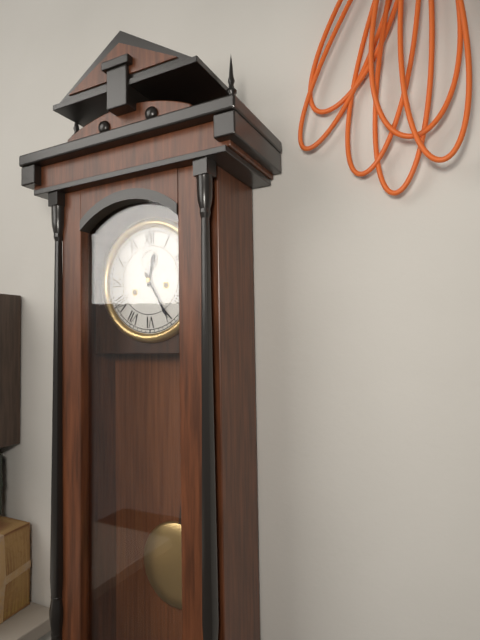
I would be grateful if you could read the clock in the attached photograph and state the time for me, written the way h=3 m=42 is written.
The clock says h=12 m=25
